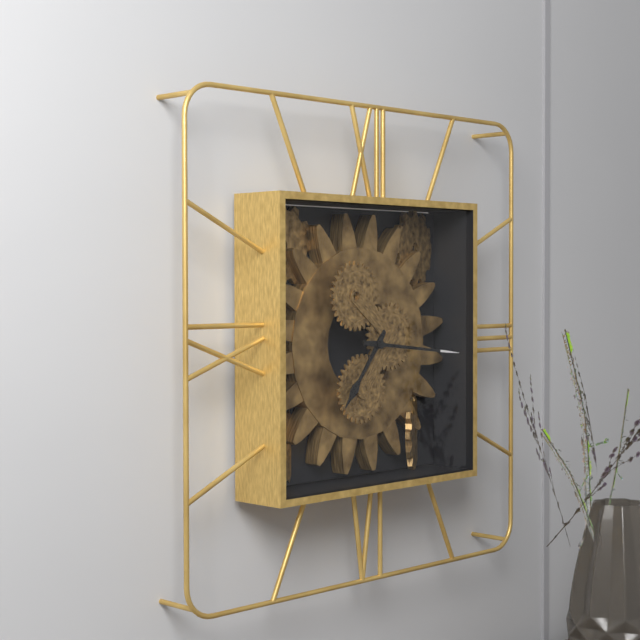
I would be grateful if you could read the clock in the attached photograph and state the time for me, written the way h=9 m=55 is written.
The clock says h=7 m=16
